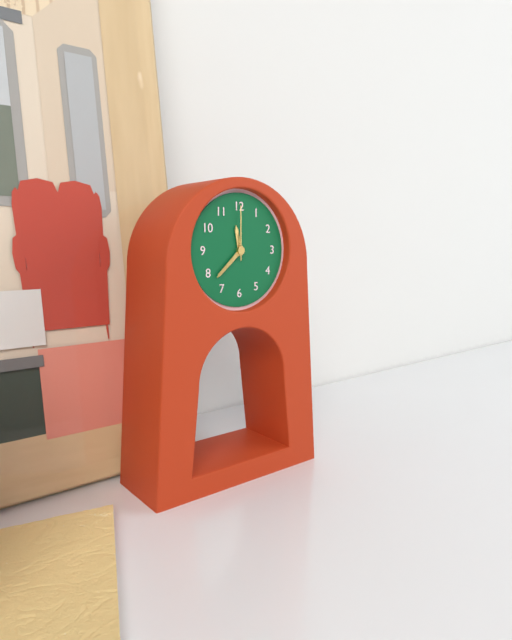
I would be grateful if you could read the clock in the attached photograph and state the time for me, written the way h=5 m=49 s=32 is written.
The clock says h=11 m=38 s=0
